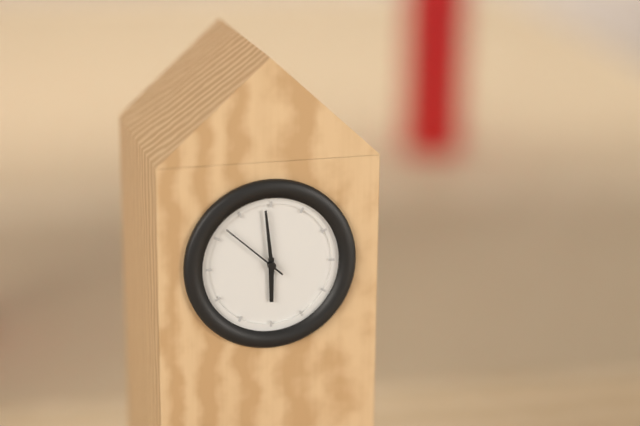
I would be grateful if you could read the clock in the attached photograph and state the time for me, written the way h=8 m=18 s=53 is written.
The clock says h=5 m=59 s=52
